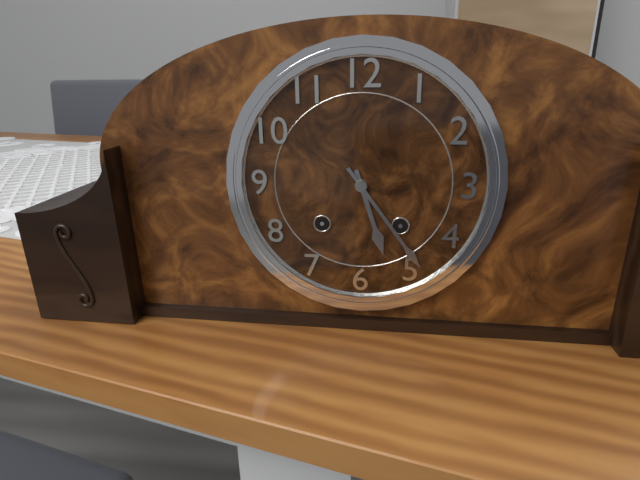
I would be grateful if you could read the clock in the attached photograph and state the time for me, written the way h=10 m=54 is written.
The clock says h=5 m=24
